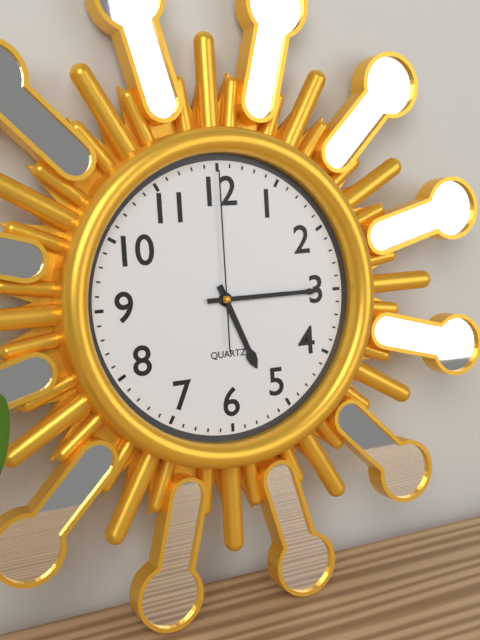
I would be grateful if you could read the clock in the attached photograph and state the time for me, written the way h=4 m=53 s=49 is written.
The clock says h=5 m=15 s=0
